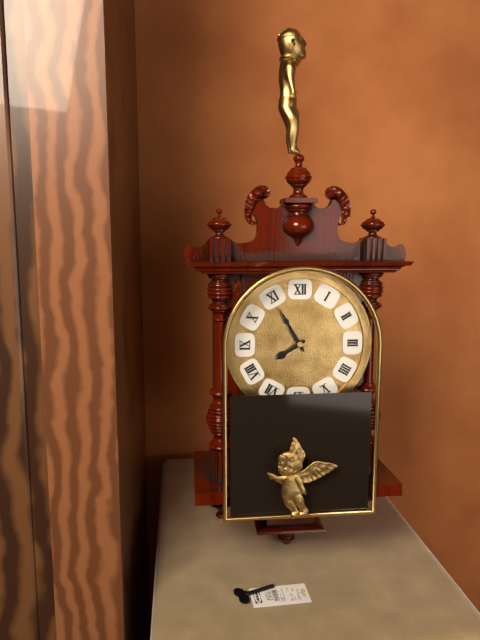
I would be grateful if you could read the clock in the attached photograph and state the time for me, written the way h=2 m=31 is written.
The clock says h=7 m=55
